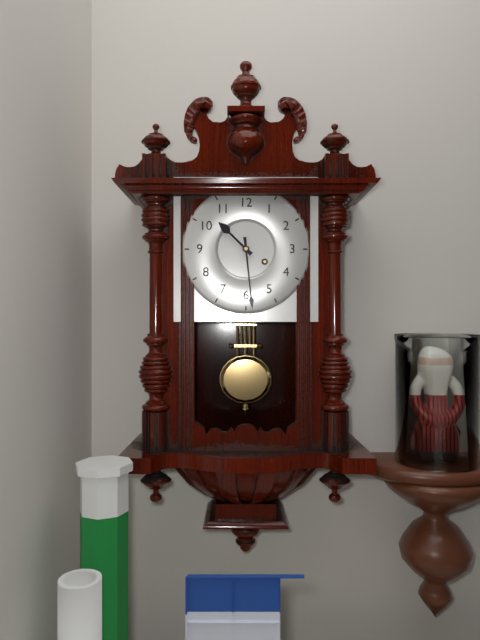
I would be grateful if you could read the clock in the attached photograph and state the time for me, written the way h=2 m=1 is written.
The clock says h=10 m=29
